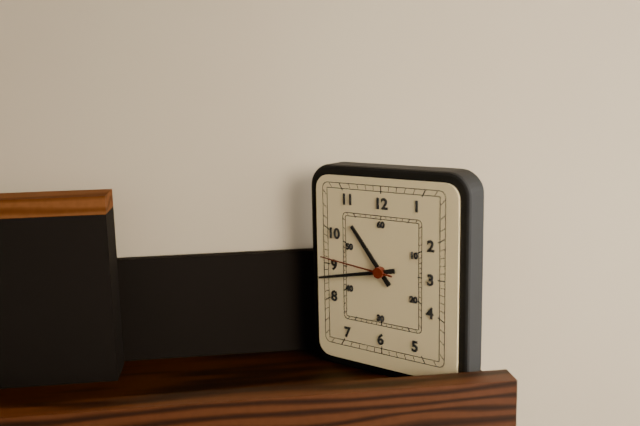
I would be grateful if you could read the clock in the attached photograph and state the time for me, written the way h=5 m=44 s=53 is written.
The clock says h=10 m=43 s=46
